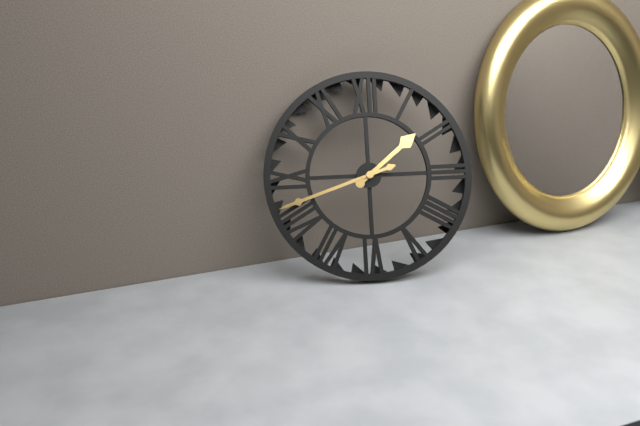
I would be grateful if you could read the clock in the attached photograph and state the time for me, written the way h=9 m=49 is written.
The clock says h=1 m=42
